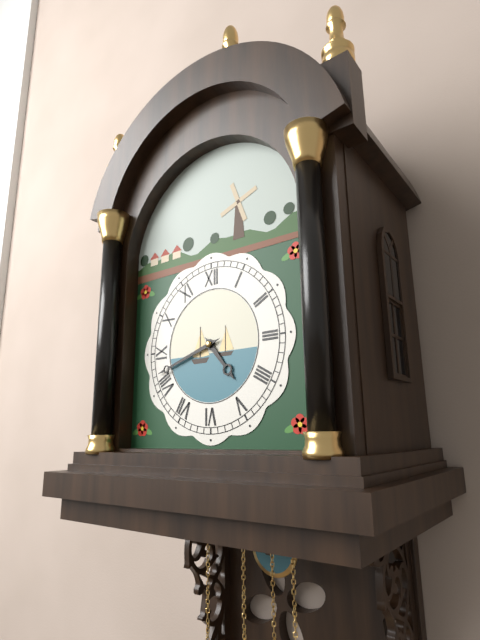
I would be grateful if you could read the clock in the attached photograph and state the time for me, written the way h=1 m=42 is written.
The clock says h=4 m=42
